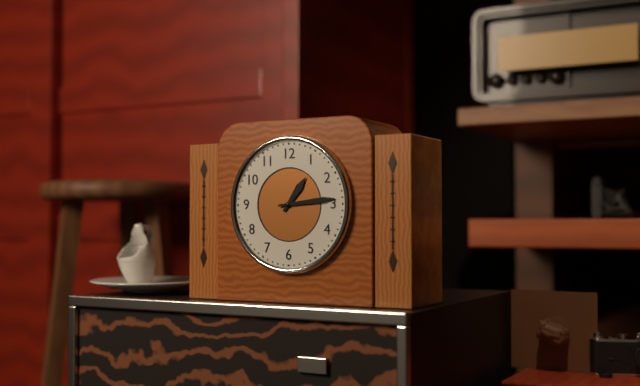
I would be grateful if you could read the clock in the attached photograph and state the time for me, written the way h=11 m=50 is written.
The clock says h=1 m=14
